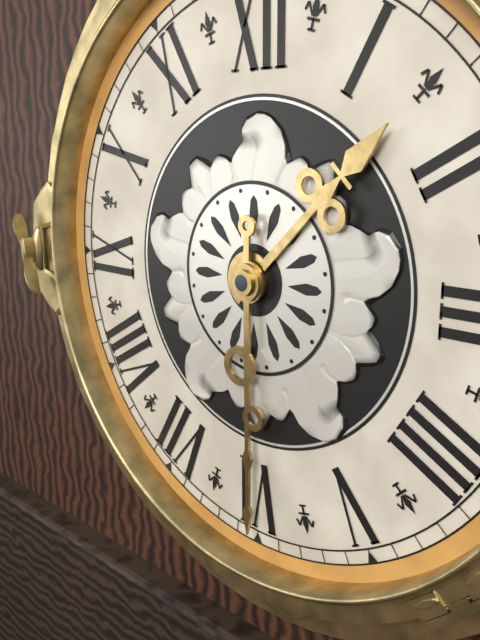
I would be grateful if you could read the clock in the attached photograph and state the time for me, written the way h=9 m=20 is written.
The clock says h=1 m=30
